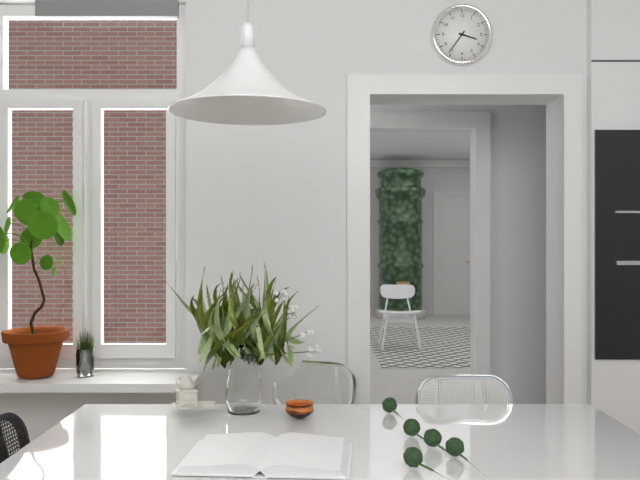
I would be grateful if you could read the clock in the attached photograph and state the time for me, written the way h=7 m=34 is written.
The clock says h=3 m=36
